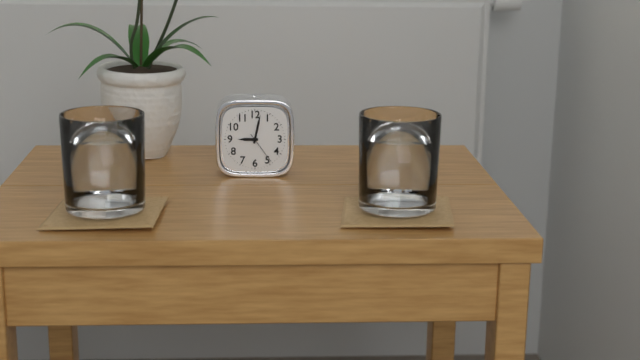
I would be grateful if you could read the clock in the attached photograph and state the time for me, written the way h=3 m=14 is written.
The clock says h=9 m=2
